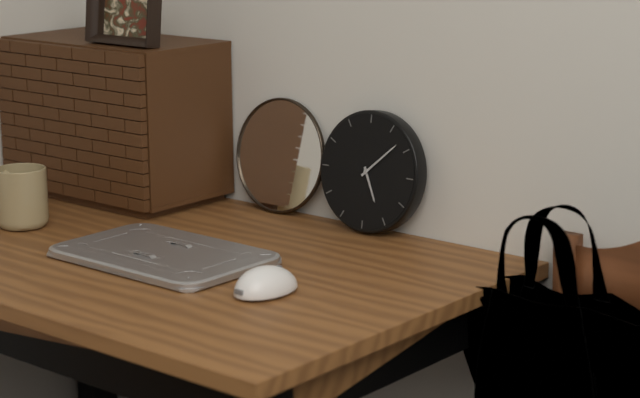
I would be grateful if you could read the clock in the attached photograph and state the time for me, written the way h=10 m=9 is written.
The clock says h=5 m=8
